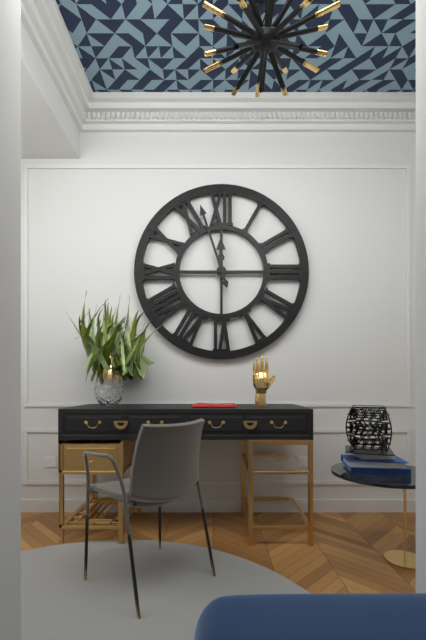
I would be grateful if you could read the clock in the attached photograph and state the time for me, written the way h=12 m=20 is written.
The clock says h=11 m=57
